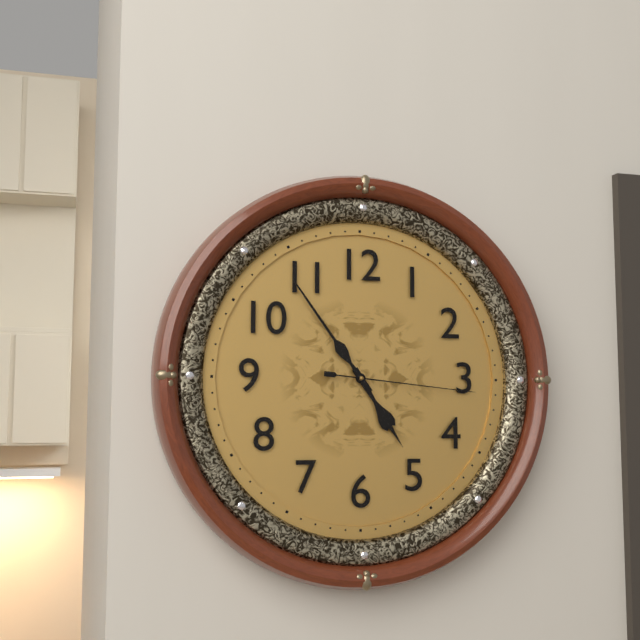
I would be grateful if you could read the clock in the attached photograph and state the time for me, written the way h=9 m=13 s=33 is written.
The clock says h=4 m=54 s=16
